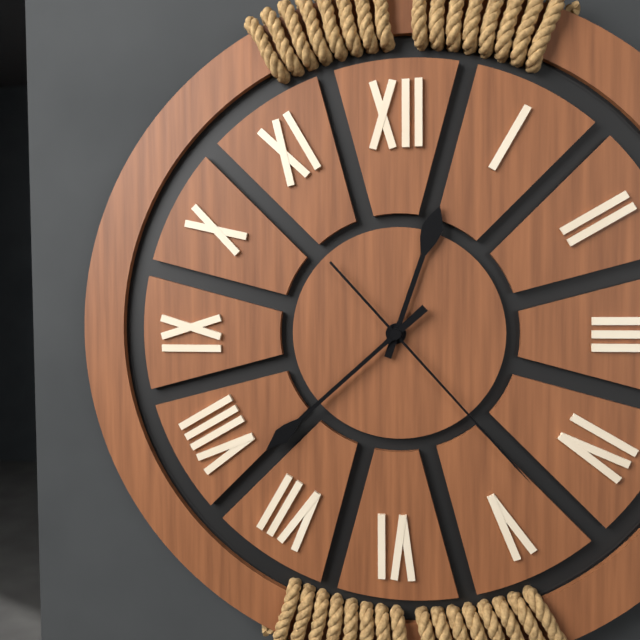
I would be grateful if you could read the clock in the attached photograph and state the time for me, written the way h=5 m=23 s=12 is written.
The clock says h=12 m=38 s=23
